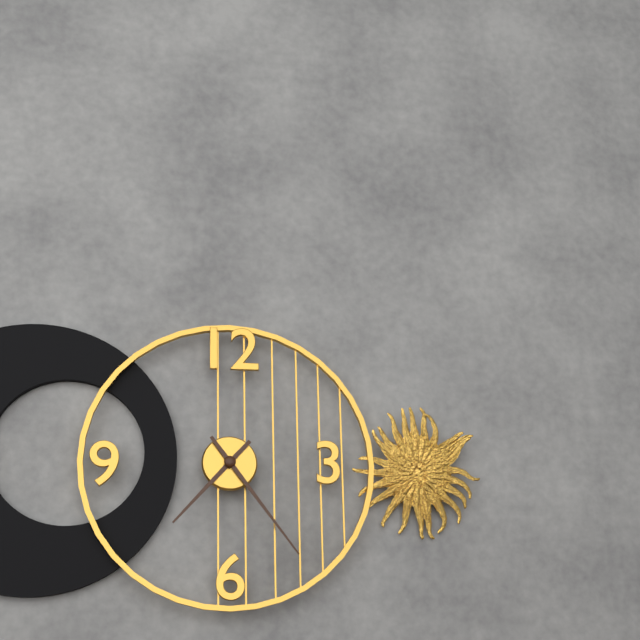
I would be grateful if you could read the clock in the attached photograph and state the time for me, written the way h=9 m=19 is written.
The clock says h=7 m=24
